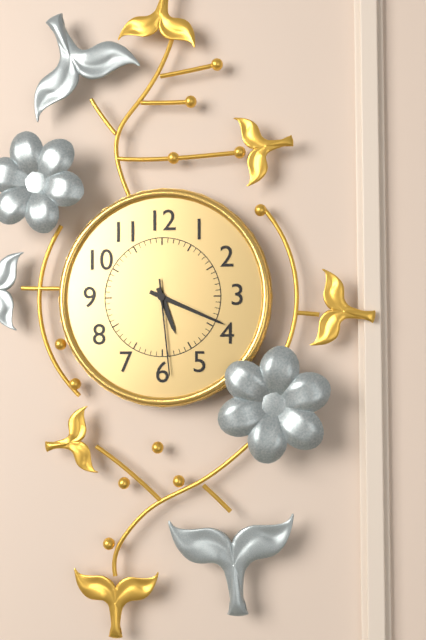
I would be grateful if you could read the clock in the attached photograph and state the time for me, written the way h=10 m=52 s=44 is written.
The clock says h=5 m=19 s=29
